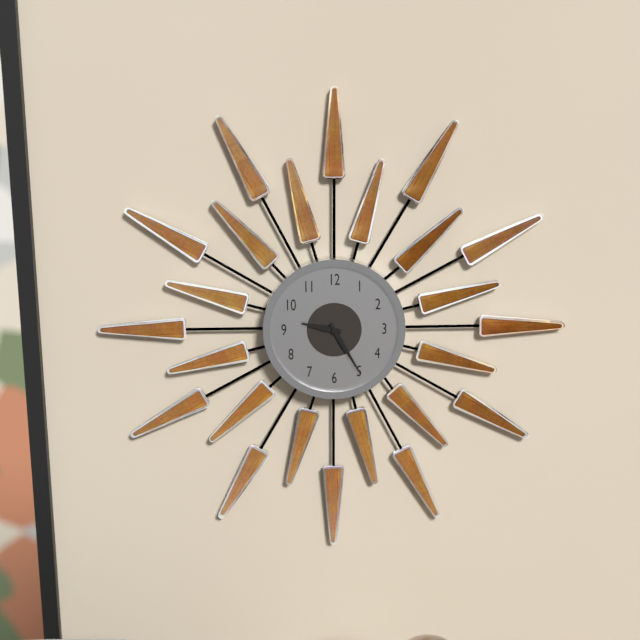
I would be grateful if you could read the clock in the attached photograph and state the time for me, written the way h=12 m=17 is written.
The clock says h=9 m=25
